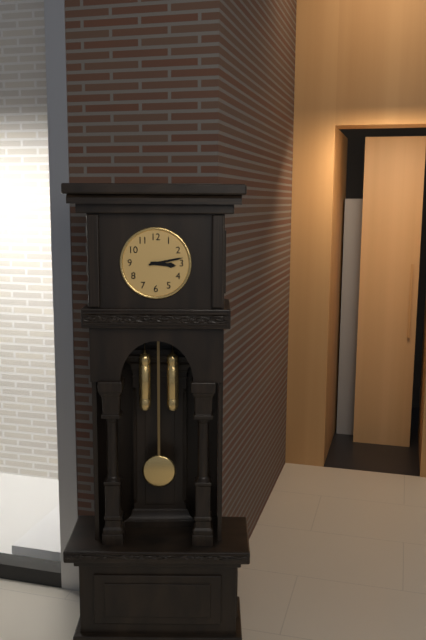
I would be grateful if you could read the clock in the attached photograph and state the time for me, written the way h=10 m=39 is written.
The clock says h=3 m=13
